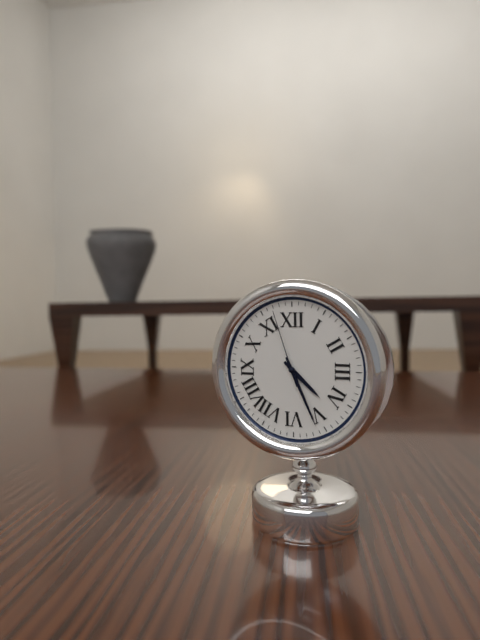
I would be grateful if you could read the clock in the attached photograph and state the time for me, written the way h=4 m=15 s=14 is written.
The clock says h=4 m=26 s=57
